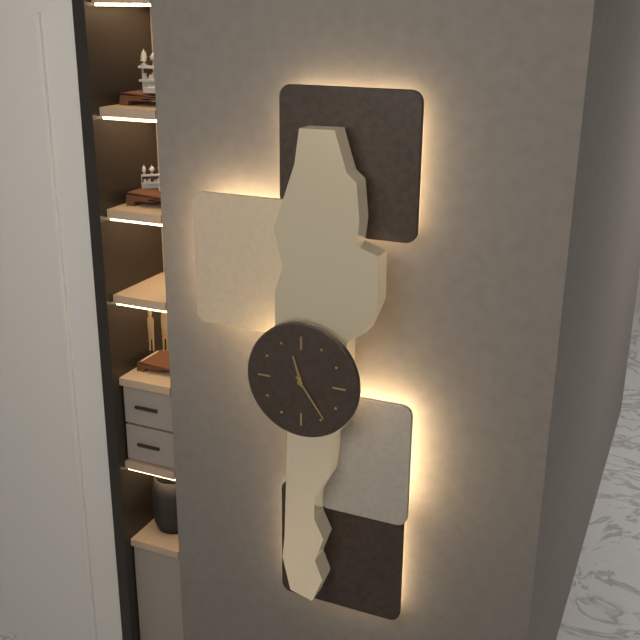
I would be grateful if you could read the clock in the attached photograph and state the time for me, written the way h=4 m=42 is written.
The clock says h=11 m=24
